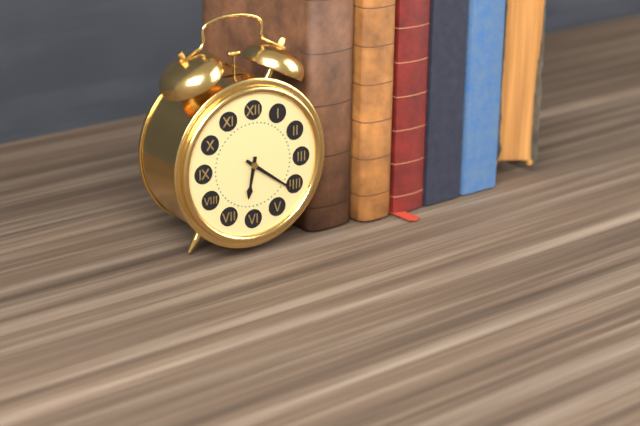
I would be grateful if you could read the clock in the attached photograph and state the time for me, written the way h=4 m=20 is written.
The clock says h=6 m=21
